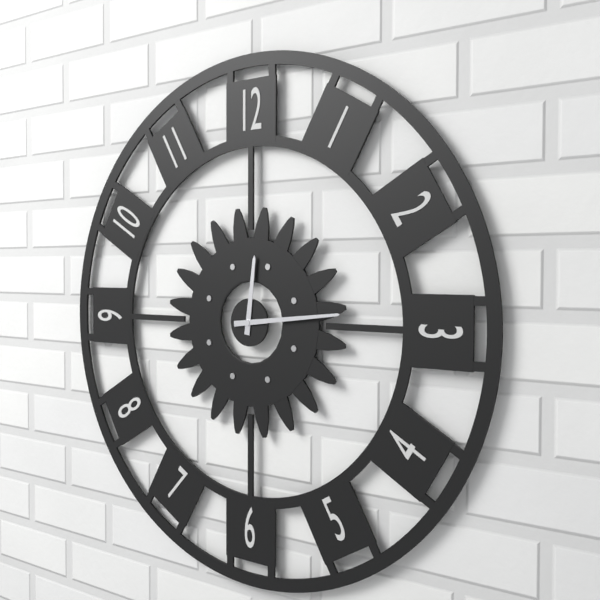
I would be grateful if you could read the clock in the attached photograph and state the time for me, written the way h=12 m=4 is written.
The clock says h=12 m=14
